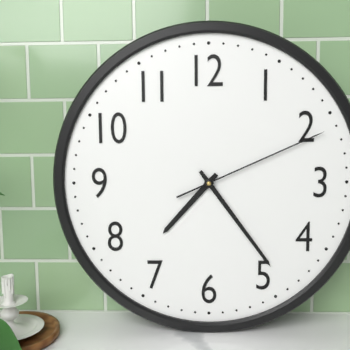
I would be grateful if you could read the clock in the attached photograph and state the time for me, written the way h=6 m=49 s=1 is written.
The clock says h=7 m=24 s=11
